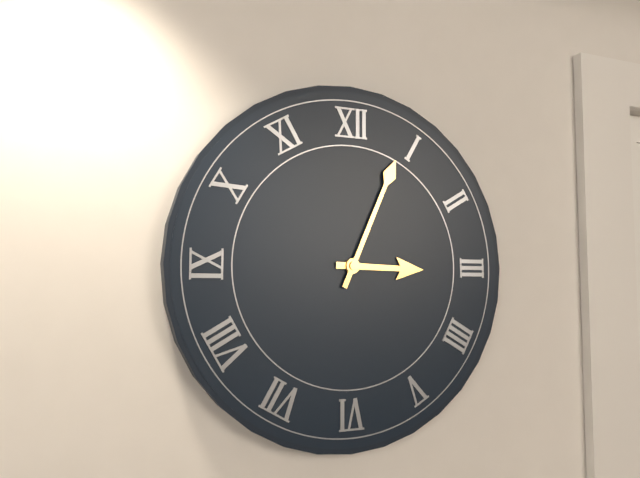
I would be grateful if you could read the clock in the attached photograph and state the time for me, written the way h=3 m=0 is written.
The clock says h=3 m=4
